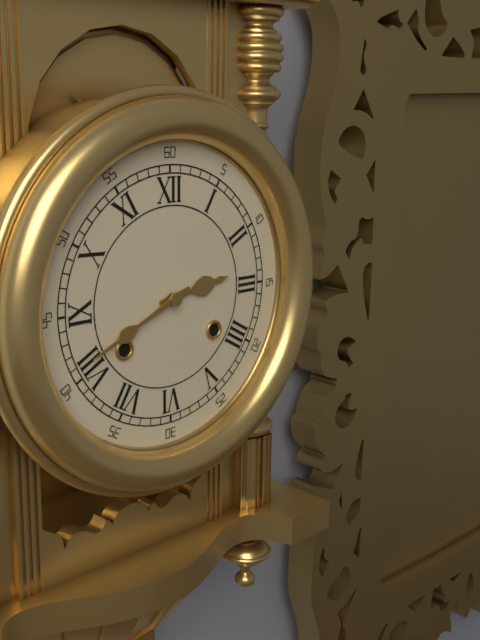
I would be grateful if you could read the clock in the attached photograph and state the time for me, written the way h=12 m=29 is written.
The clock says h=2 m=41
